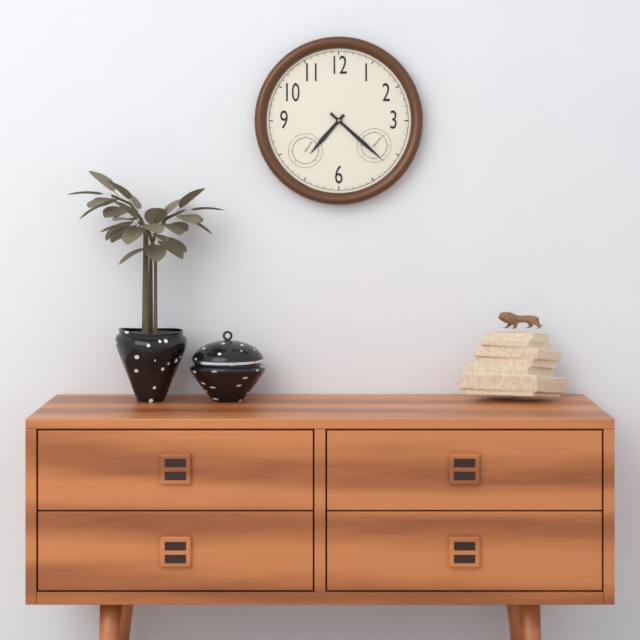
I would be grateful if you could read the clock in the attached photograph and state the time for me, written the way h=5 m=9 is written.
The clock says h=7 m=22
